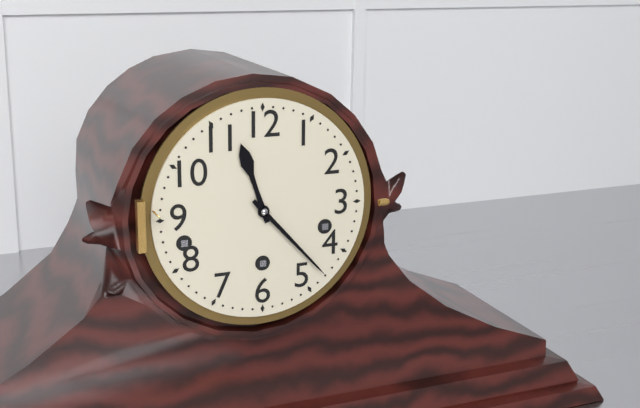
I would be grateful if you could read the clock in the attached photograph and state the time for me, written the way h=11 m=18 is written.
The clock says h=11 m=23
